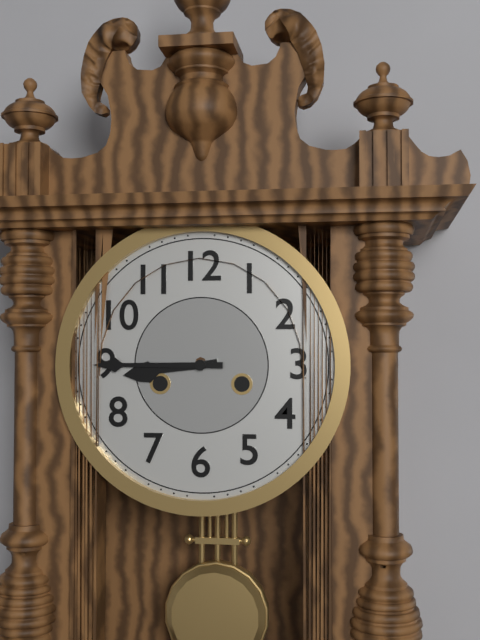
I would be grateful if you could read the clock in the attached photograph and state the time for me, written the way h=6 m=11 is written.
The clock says h=8 m=45
